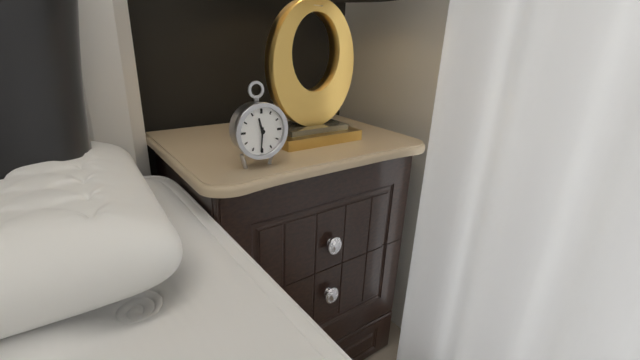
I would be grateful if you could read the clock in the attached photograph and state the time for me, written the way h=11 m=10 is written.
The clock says h=11 m=31
